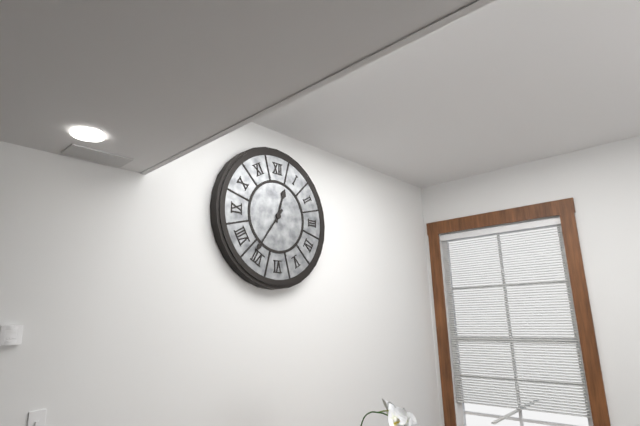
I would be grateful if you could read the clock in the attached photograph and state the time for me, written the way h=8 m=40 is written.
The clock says h=12 m=36
